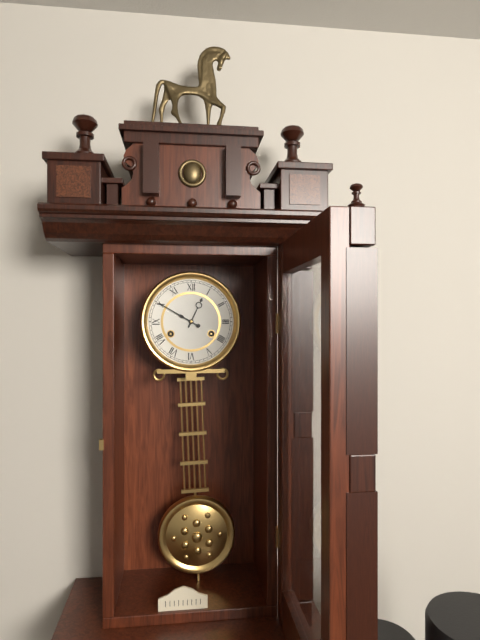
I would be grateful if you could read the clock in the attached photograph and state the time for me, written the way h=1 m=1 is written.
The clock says h=12 m=50
